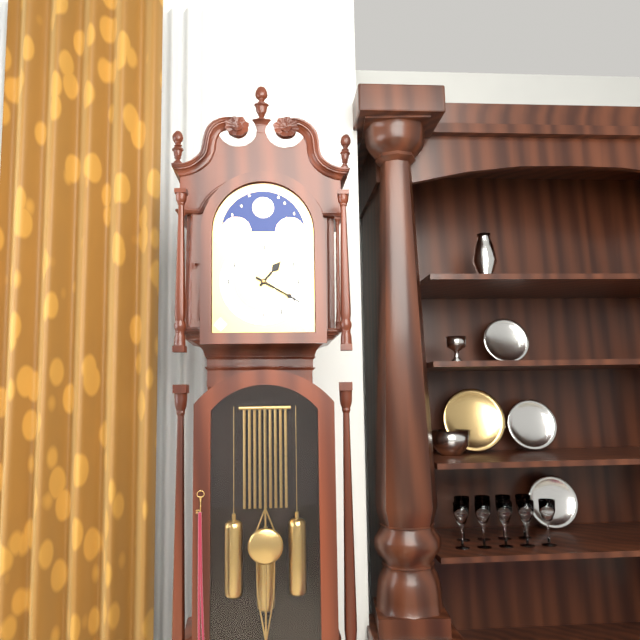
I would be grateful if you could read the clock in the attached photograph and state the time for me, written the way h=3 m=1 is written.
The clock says h=1 m=20
